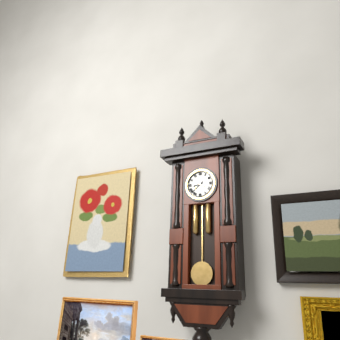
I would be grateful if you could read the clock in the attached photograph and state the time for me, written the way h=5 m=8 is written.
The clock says h=8 m=38
